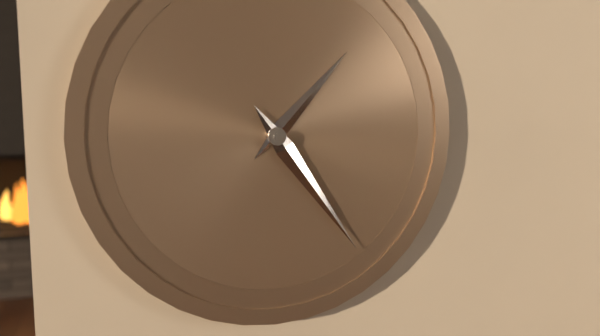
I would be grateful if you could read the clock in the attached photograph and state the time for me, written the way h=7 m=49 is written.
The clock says h=1 m=24
